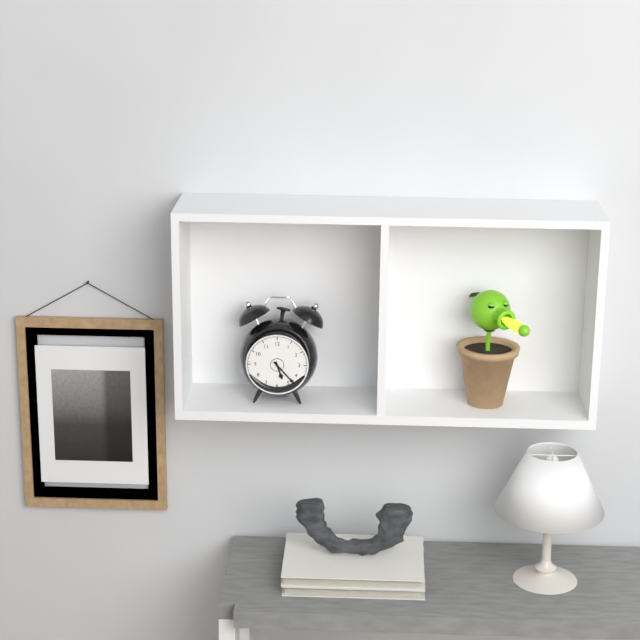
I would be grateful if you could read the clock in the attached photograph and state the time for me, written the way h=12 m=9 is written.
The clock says h=5 m=23
